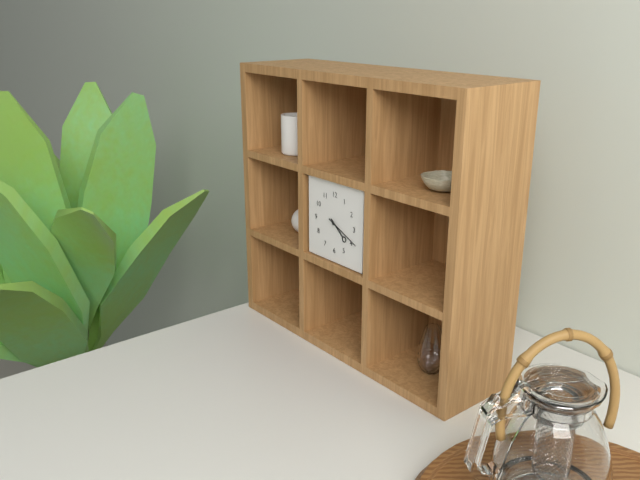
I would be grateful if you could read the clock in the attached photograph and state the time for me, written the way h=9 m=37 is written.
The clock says h=4 m=19
